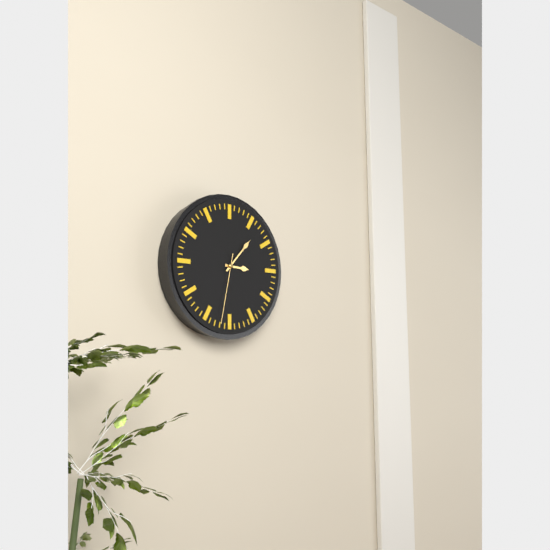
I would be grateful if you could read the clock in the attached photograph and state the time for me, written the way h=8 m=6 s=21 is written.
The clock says h=3 m=7 s=32
